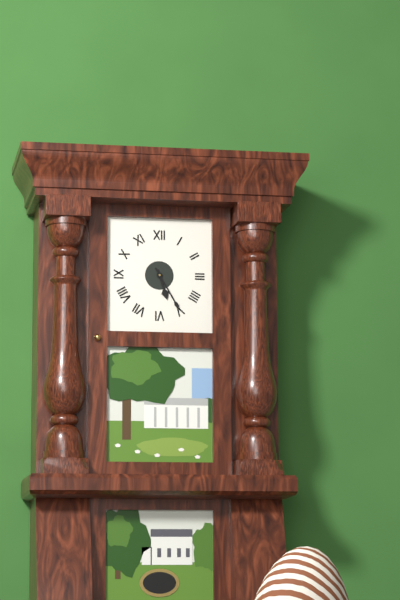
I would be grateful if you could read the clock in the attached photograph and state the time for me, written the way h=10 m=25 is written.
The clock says h=5 m=25
